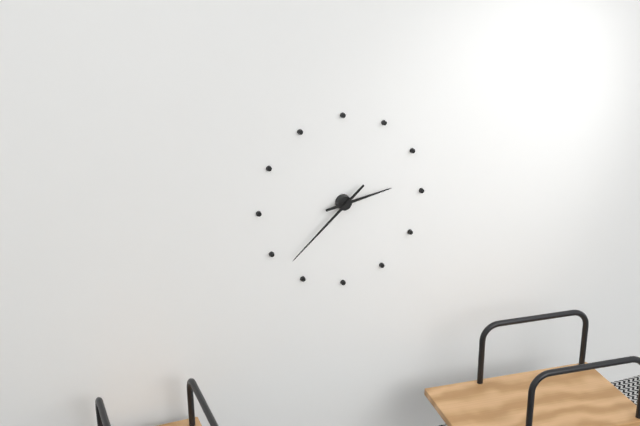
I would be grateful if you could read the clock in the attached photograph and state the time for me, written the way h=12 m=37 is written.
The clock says h=2 m=38
